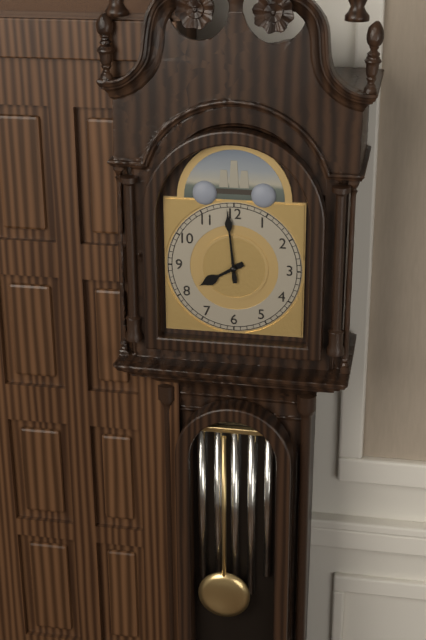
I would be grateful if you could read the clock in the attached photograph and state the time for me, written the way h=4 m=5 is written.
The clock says h=7 m=59
